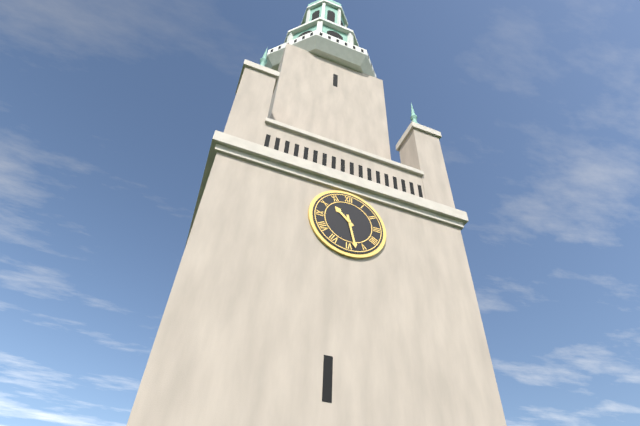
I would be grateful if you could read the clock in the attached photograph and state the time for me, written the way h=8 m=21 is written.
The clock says h=10 m=28
